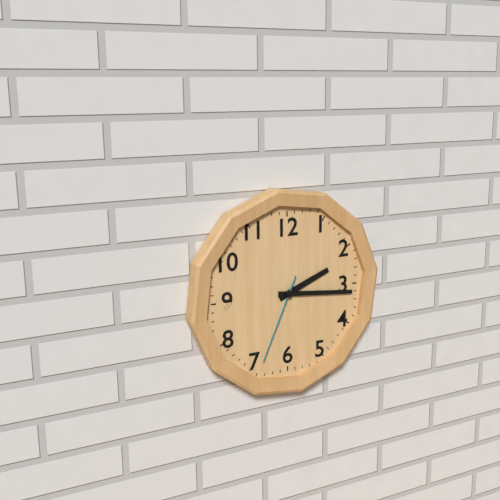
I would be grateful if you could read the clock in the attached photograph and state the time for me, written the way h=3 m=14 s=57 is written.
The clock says h=2 m=16 s=34
